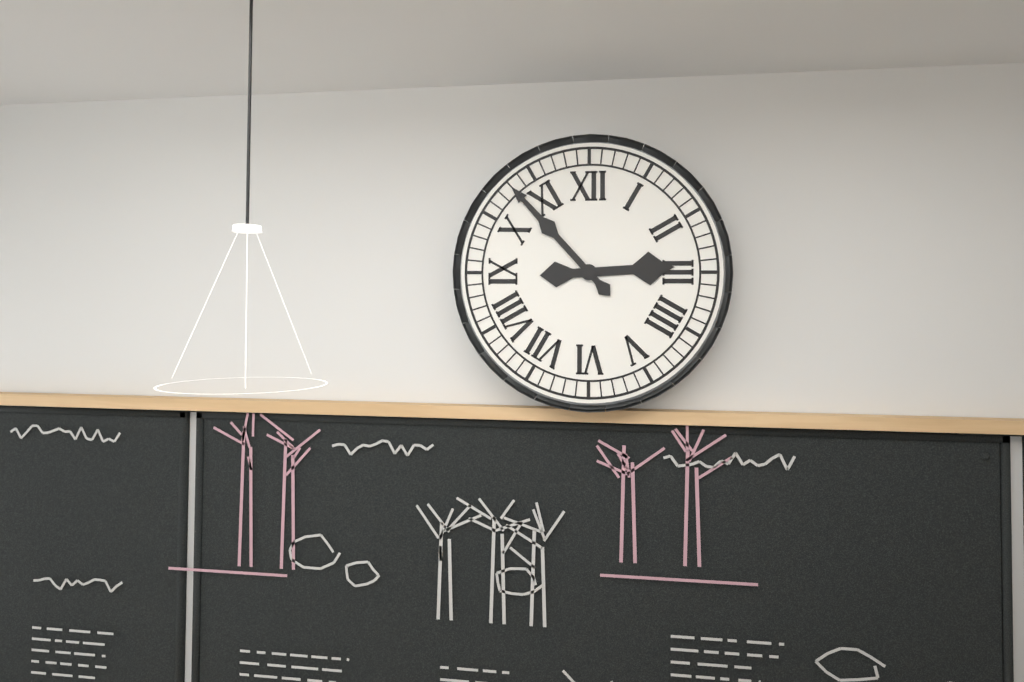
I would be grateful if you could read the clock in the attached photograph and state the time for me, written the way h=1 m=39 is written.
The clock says h=2 m=53
